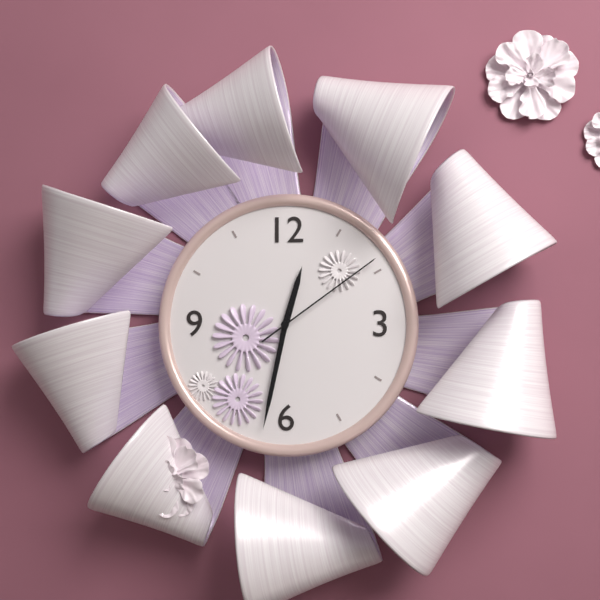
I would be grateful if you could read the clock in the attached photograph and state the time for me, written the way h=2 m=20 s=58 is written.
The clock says h=12 m=32 s=9
